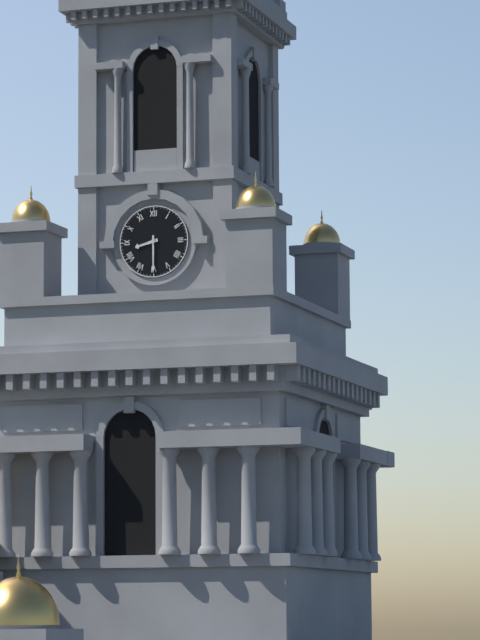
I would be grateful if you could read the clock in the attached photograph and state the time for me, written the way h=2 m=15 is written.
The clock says h=8 m=30
